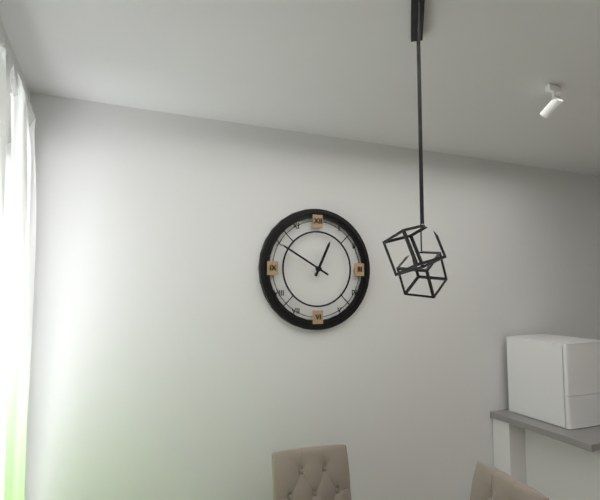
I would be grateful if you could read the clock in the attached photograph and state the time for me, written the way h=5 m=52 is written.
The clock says h=12 m=50
